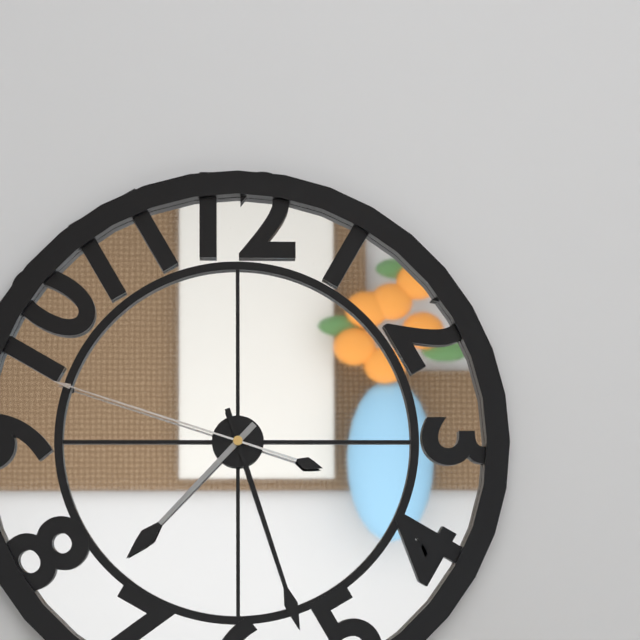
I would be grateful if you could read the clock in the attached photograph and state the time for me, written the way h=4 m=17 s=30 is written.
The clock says h=7 m=27 s=48
